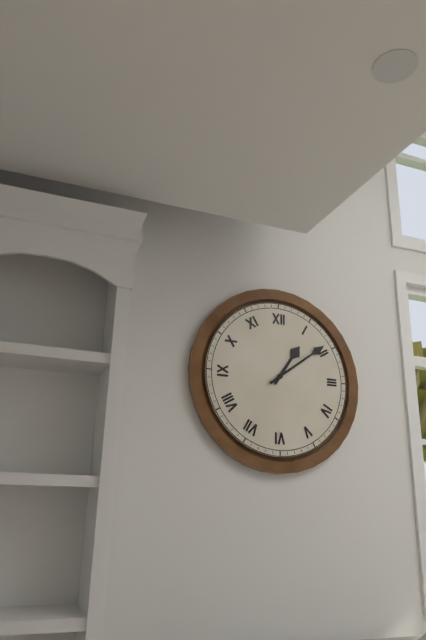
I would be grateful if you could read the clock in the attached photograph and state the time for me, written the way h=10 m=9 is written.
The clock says h=1 m=9
